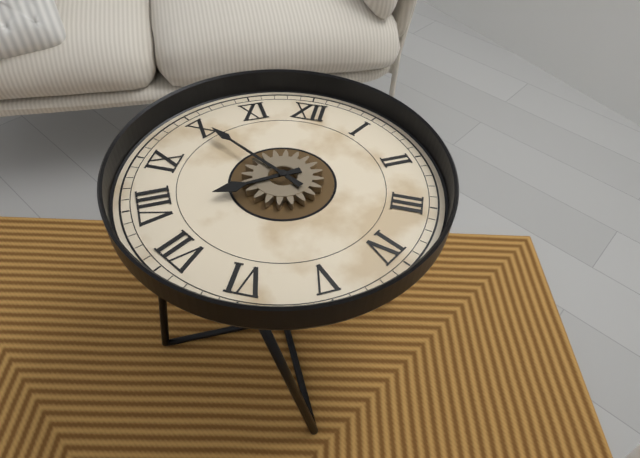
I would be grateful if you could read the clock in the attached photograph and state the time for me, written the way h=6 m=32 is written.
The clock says h=7 m=50
